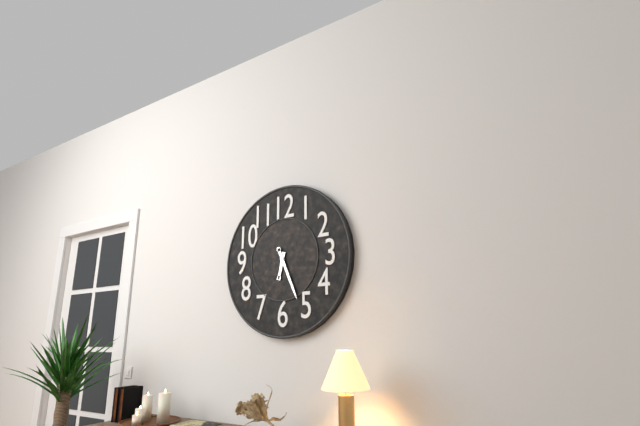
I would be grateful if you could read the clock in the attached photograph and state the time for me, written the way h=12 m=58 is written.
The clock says h=6 m=26
